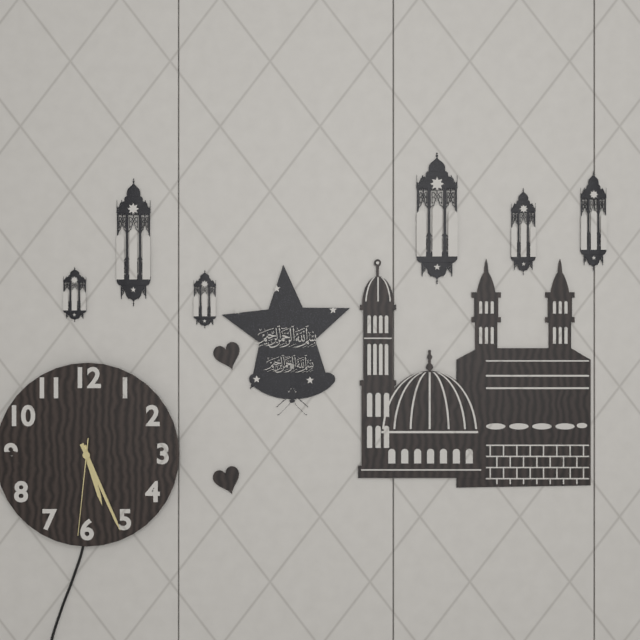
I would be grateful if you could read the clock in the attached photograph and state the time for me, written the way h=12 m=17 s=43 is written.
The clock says h=5 m=26 s=31
